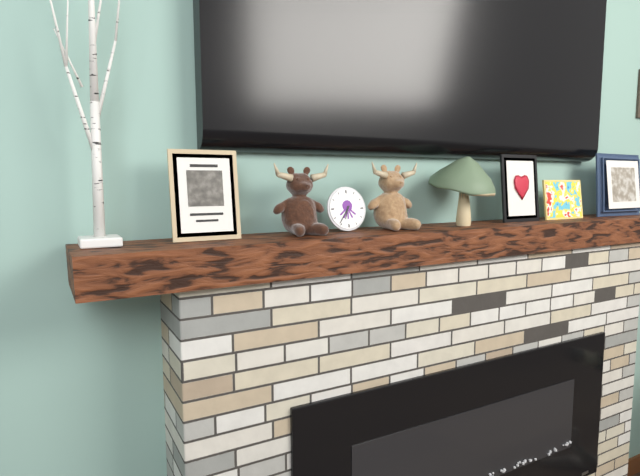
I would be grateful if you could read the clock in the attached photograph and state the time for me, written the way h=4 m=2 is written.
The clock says h=6 m=36
